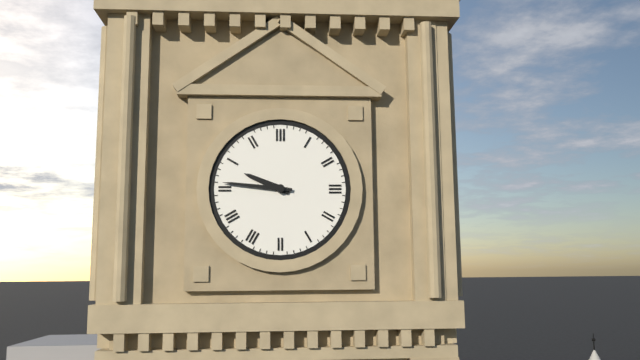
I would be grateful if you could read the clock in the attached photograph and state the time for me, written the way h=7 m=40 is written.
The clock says h=9 m=46
